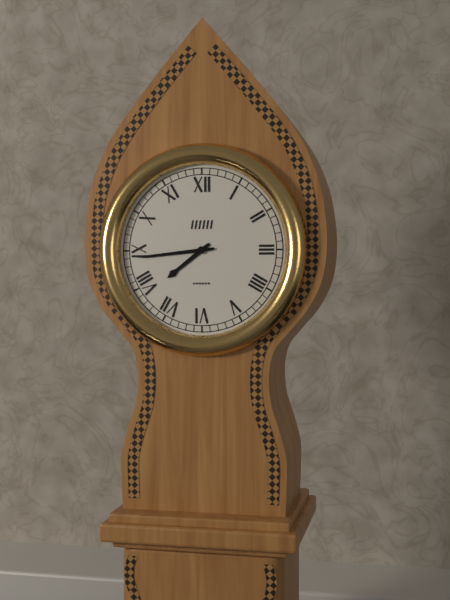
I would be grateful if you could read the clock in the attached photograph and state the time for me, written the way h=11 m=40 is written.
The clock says h=7 m=44
